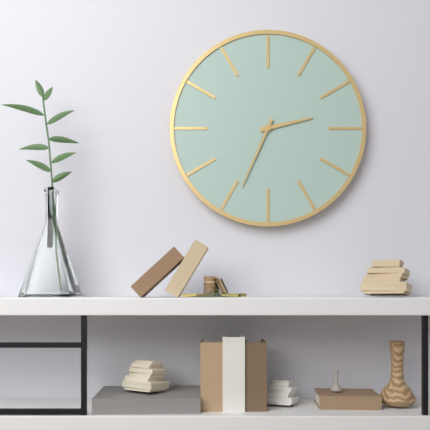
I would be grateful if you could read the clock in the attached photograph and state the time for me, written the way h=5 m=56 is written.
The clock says h=2 m=34
